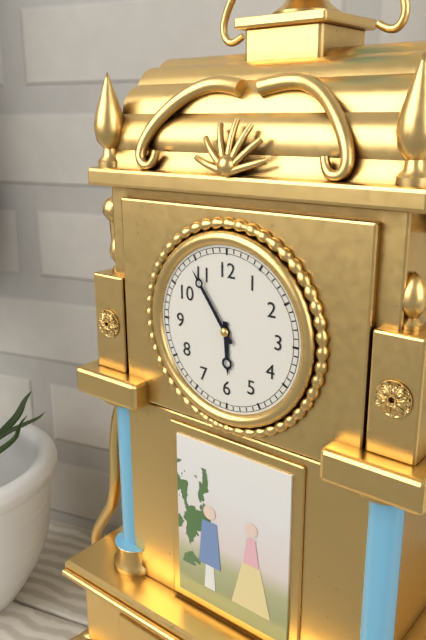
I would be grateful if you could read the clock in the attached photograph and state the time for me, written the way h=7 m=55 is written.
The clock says h=5 m=54
